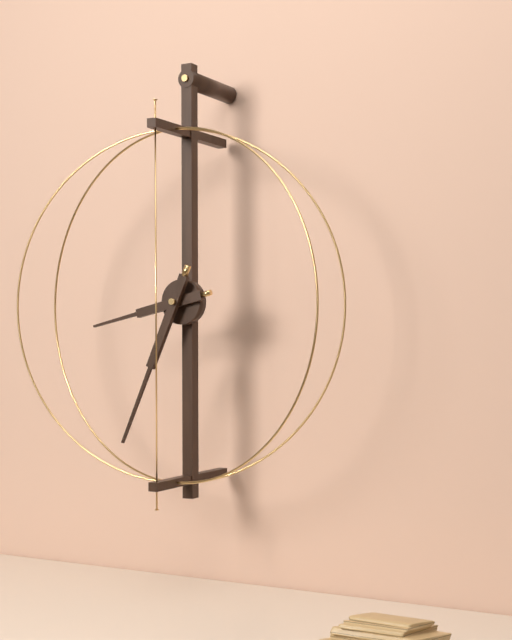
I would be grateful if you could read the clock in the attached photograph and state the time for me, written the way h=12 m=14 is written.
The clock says h=8 m=34
